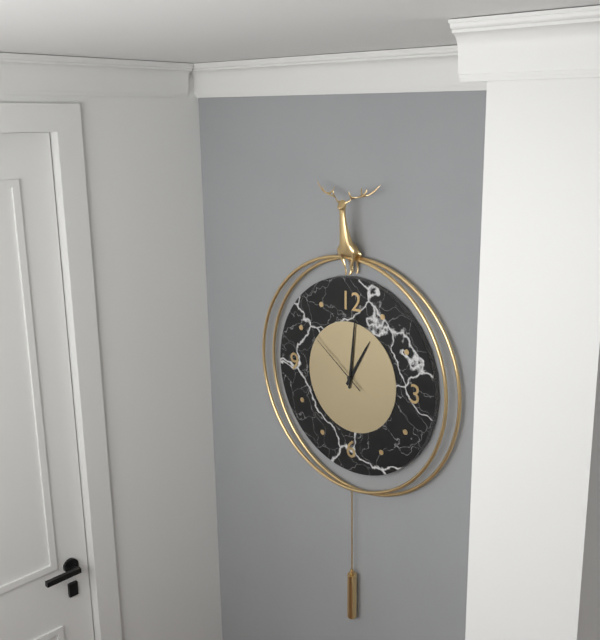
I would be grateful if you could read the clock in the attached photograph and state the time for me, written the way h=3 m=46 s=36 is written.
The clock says h=1 m=1 s=51
